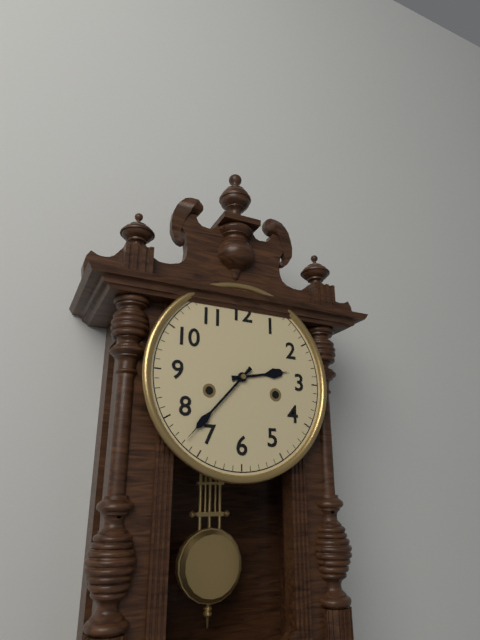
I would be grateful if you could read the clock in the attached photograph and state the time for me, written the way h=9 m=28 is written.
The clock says h=2 m=37
